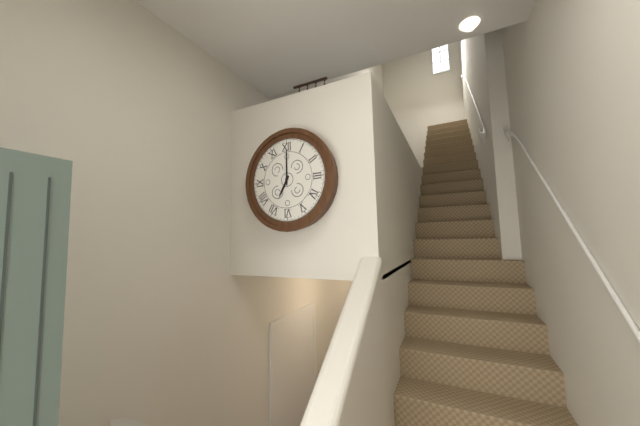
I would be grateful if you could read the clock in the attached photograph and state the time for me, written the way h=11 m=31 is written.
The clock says h=7 m=0
